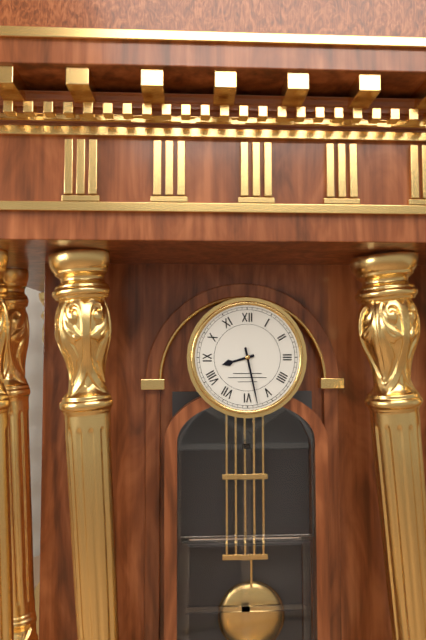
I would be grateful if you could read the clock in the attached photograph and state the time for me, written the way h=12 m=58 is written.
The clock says h=8 m=28
